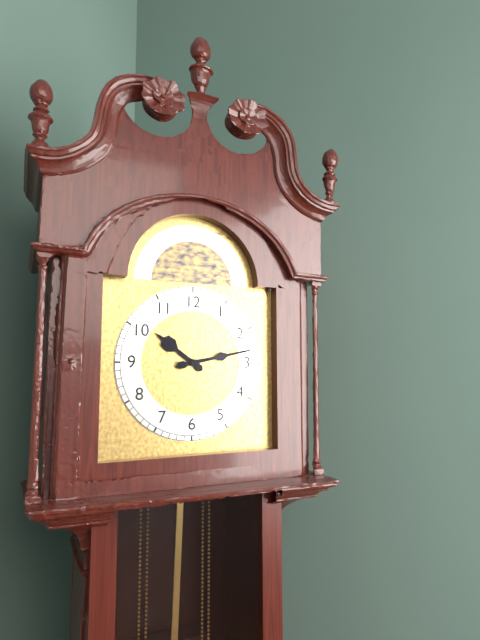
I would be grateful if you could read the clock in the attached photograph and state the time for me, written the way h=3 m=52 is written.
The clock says h=10 m=13
